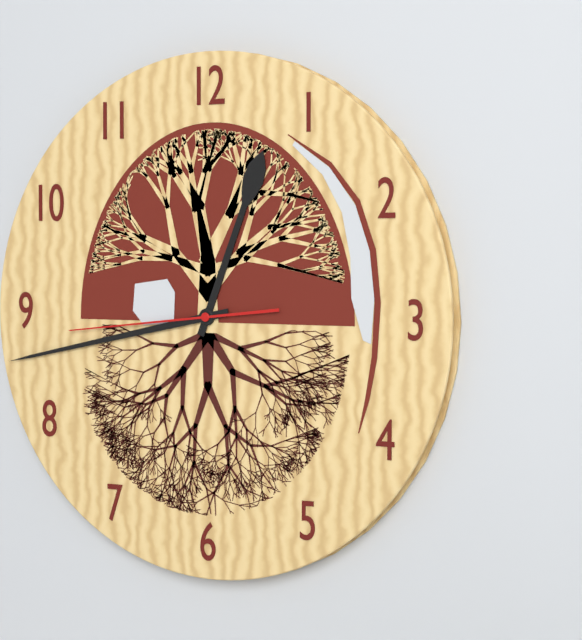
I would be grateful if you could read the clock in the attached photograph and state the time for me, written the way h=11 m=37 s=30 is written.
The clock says h=12 m=43 s=44
